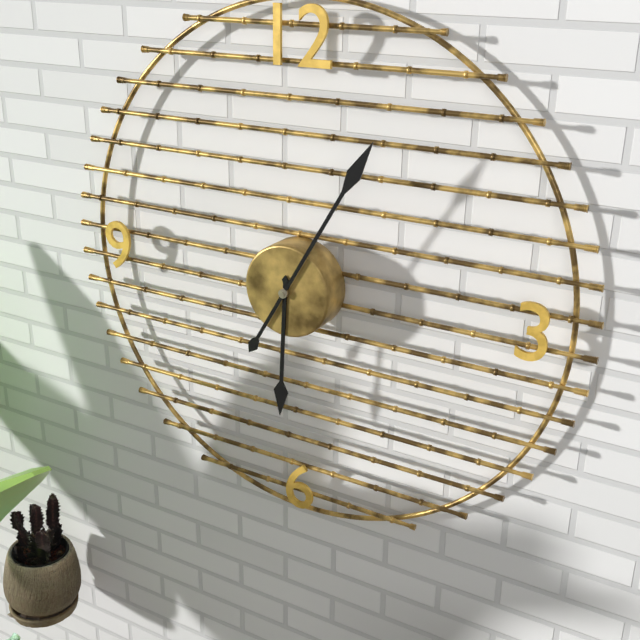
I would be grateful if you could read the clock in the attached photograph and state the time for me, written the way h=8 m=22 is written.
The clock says h=6 m=5
